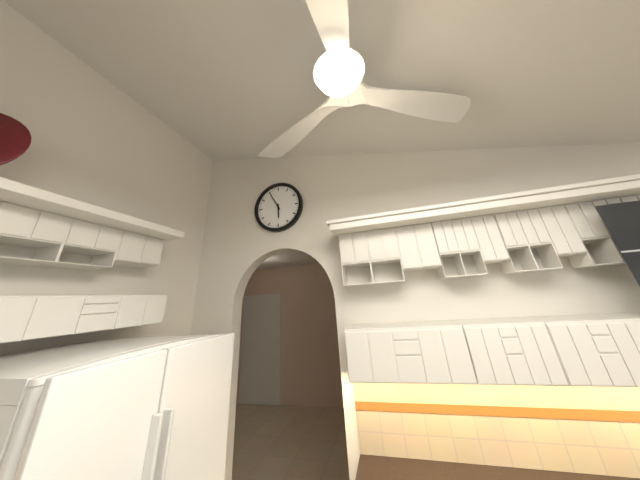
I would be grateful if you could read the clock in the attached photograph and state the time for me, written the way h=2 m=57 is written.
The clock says h=5 m=55
